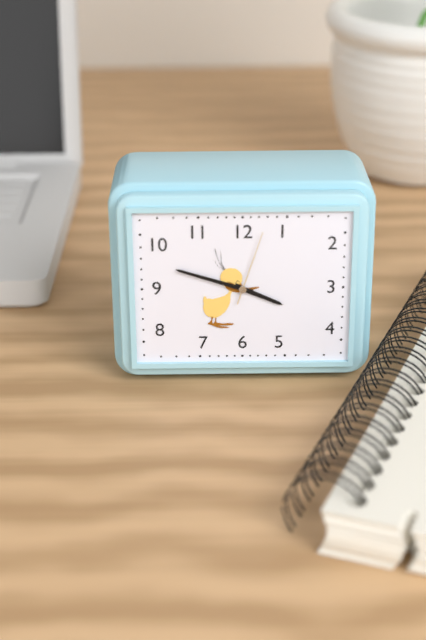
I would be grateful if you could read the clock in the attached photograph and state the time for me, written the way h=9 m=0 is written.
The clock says h=3 m=48
